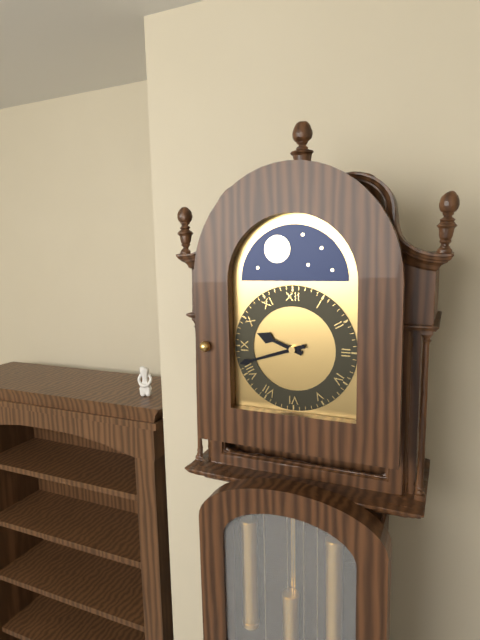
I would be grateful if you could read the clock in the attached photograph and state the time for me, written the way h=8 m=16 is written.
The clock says h=9 m=42
